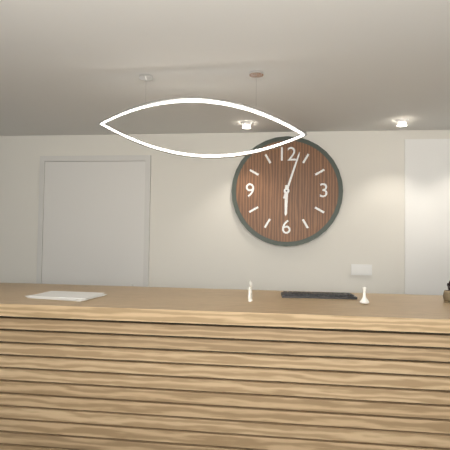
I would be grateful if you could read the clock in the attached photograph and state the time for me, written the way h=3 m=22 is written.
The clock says h=6 m=3
